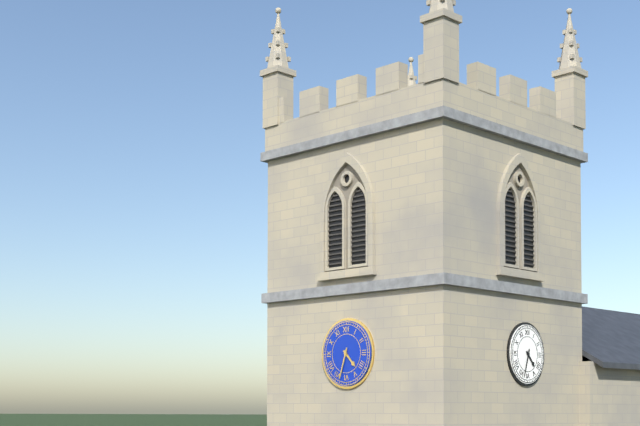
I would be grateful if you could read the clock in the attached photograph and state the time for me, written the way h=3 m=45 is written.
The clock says h=4 m=33
